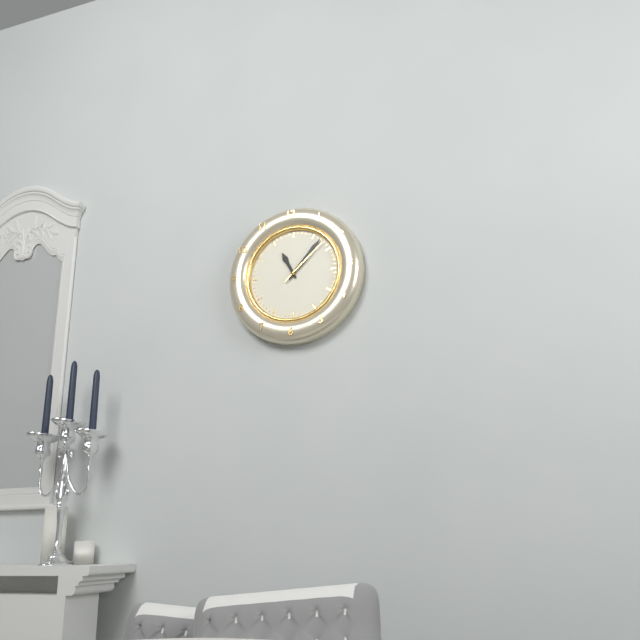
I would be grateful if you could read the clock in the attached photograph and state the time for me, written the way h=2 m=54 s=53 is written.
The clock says h=11 m=7 s=8
